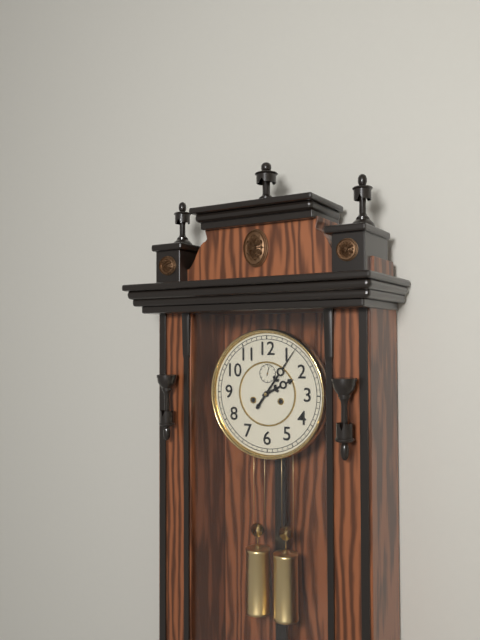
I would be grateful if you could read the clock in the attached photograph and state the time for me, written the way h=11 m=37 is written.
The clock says h=2 m=6
